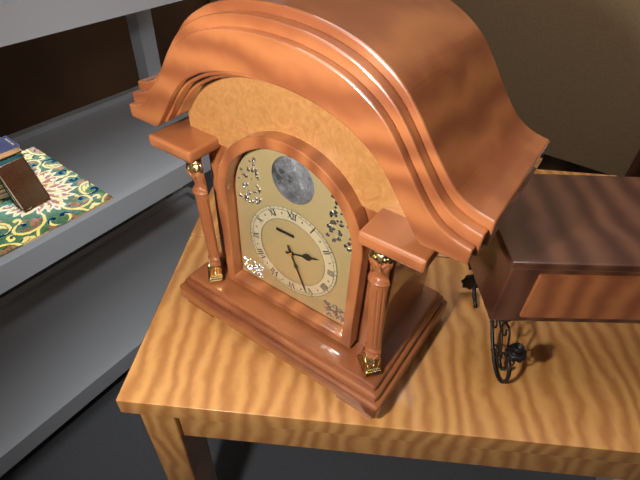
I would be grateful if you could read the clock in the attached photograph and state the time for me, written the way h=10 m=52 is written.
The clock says h=2 m=26
